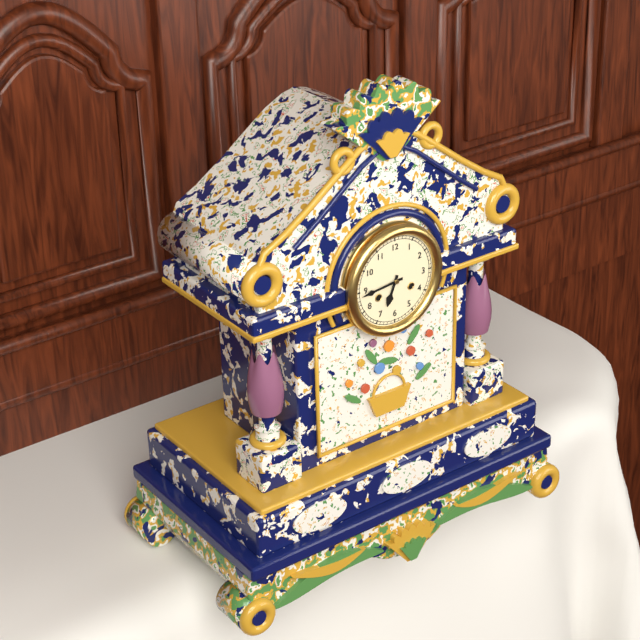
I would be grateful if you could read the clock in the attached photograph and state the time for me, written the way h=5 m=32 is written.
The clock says h=6 m=44
